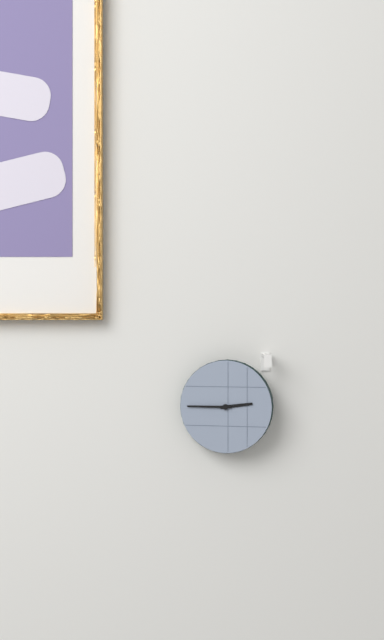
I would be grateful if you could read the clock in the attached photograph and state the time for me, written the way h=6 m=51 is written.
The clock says h=2 m=45
